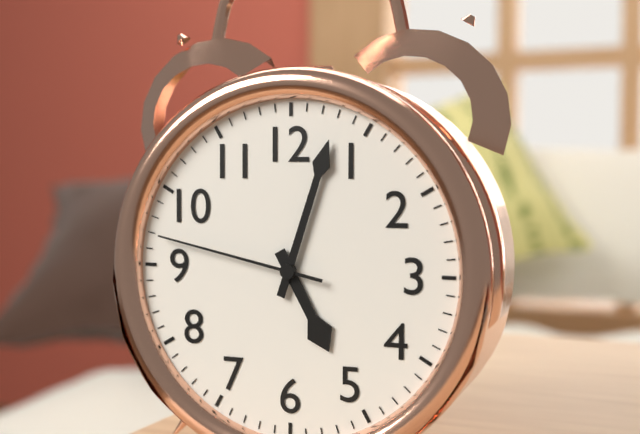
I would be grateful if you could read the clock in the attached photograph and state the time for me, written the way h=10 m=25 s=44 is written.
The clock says h=5 m=3 s=47
